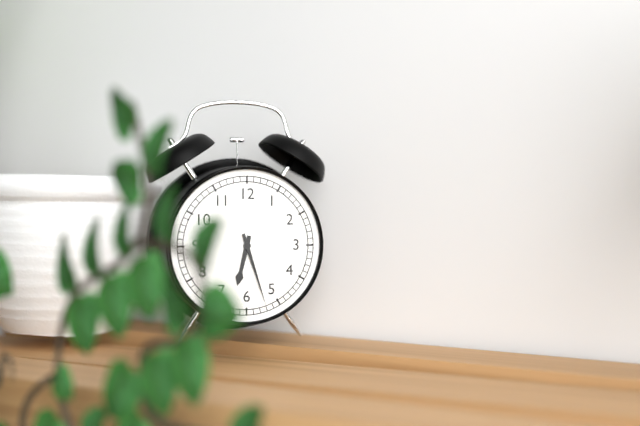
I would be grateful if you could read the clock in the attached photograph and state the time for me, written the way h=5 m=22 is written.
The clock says h=6 m=27
